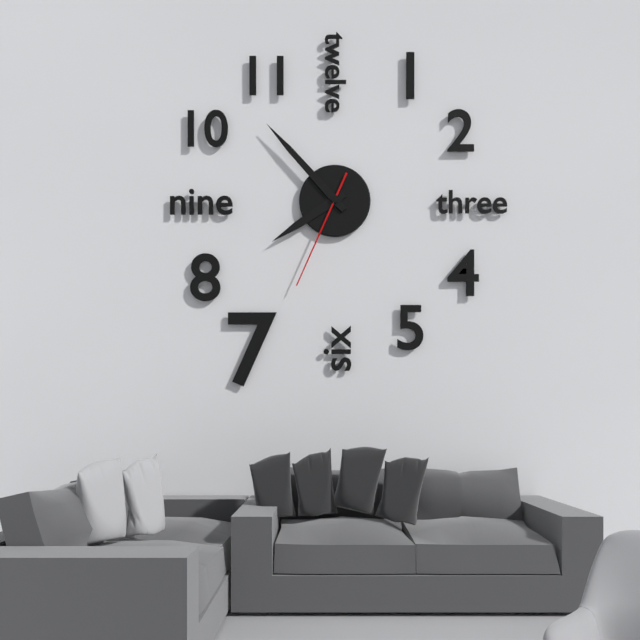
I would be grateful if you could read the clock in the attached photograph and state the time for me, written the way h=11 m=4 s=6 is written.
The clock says h=7 m=53 s=34
